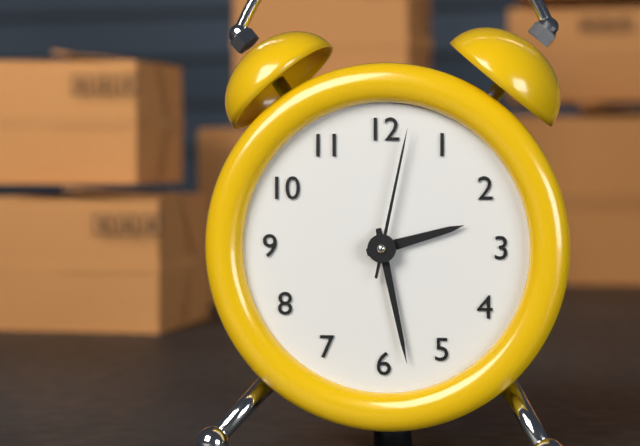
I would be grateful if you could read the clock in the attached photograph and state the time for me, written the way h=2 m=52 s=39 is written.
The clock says h=2 m=28 s=2
